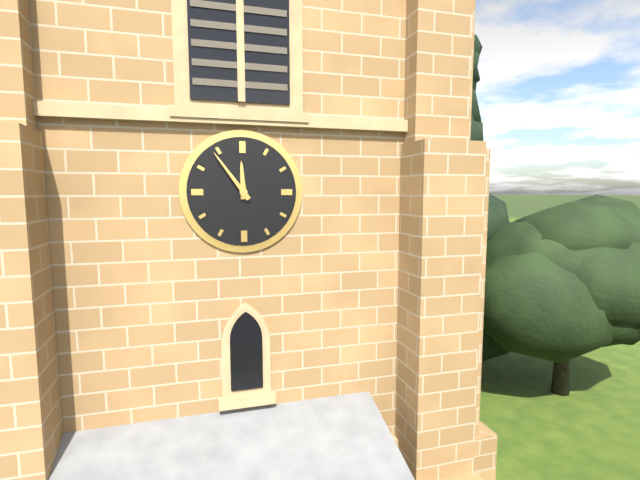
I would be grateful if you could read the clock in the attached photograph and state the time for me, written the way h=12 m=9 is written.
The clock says h=11 m=54
